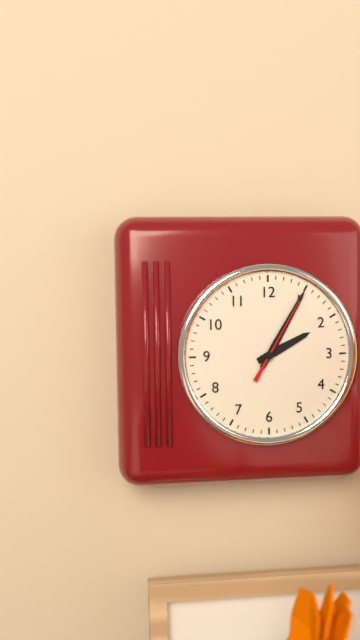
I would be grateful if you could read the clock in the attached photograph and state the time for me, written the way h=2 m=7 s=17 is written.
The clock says h=2 m=5 s=5
